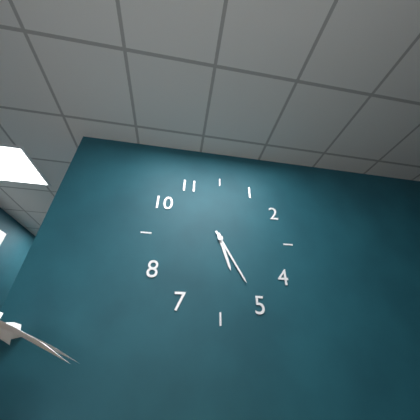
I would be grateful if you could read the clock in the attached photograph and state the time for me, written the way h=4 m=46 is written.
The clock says h=5 m=25
